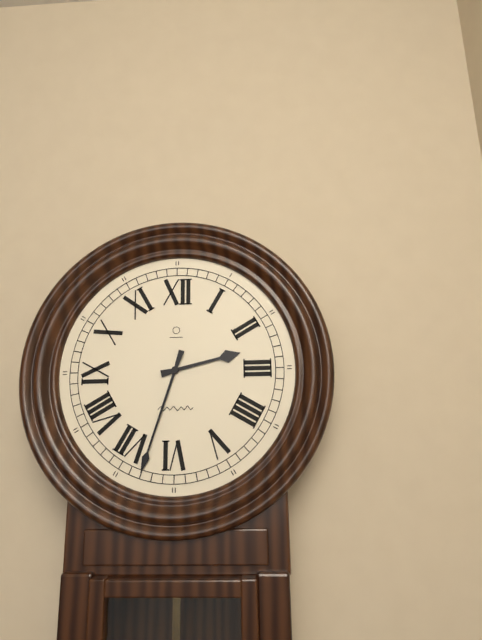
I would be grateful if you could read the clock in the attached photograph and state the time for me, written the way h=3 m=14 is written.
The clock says h=2 m=33
